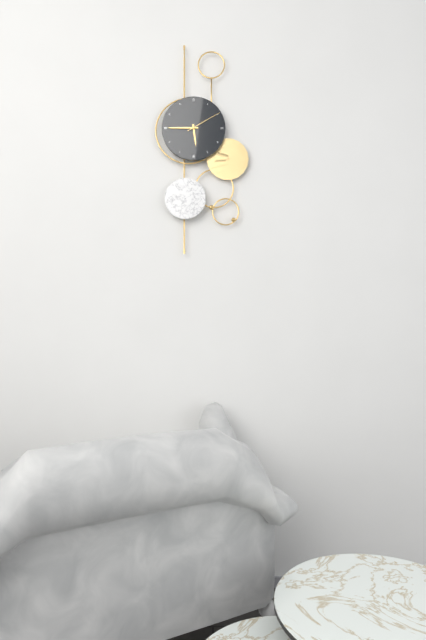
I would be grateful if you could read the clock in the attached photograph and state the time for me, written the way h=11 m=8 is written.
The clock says h=5 m=45
